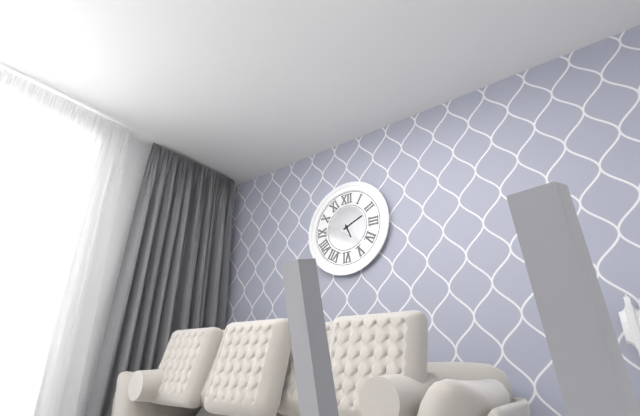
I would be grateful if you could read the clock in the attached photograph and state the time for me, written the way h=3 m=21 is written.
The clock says h=5 m=11
